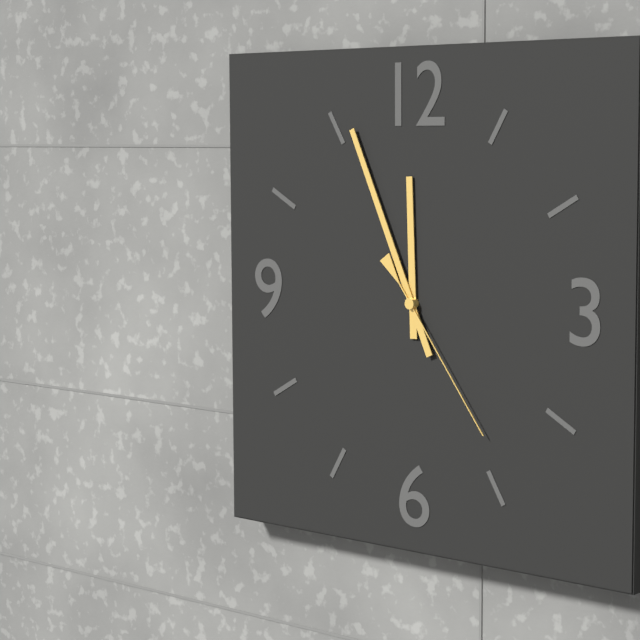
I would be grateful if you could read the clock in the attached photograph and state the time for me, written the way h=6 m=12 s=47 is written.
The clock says h=11 m=56 s=24
